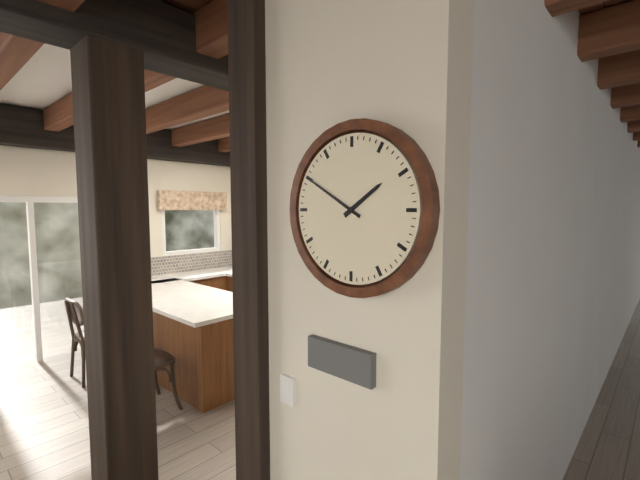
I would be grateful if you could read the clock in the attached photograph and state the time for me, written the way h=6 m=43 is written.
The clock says h=1 m=50
